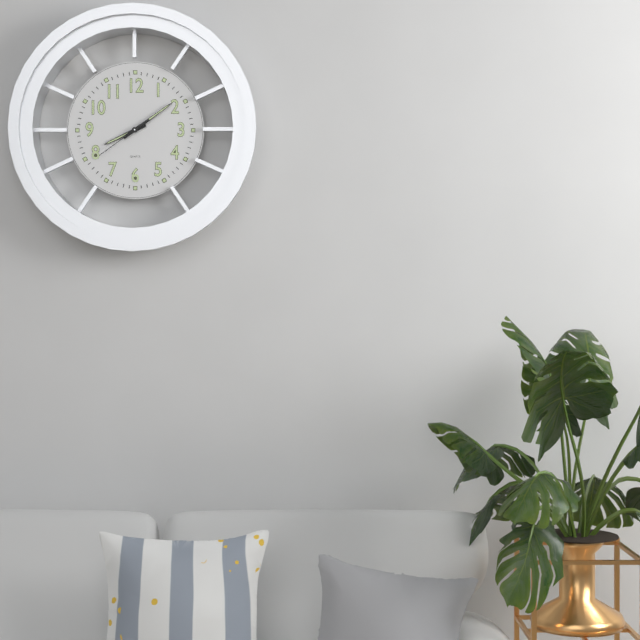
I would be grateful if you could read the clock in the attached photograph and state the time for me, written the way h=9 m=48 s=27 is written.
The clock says h=8 m=9 s=39
